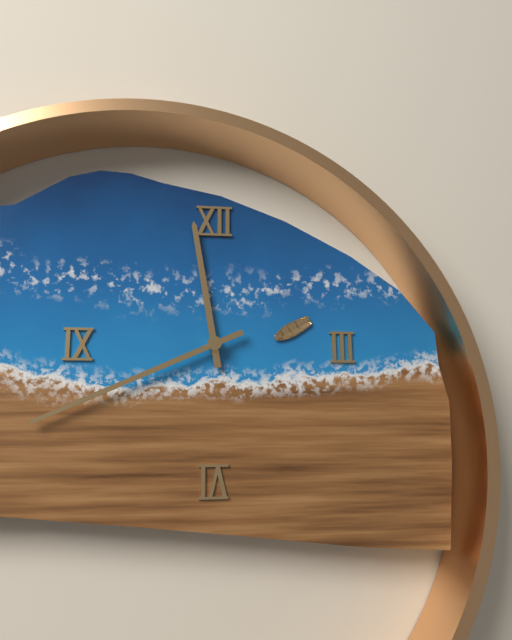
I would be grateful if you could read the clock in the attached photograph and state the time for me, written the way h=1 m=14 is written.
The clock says h=11 m=41
